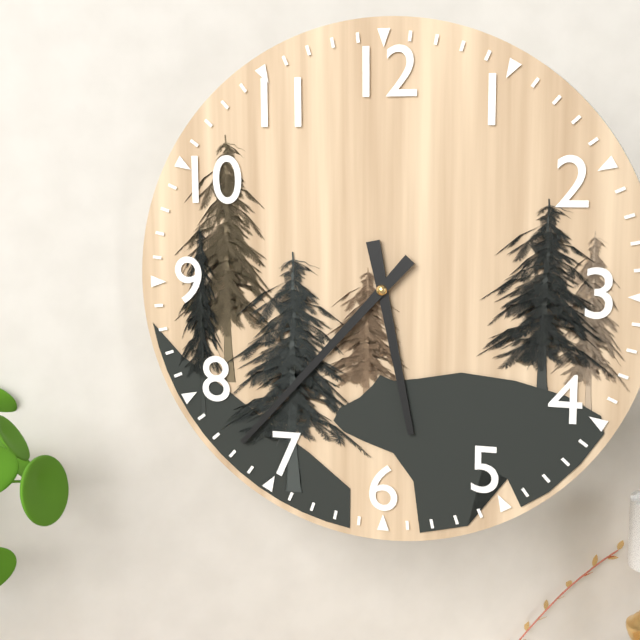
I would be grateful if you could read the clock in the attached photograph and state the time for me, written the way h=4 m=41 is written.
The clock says h=5 m=37
